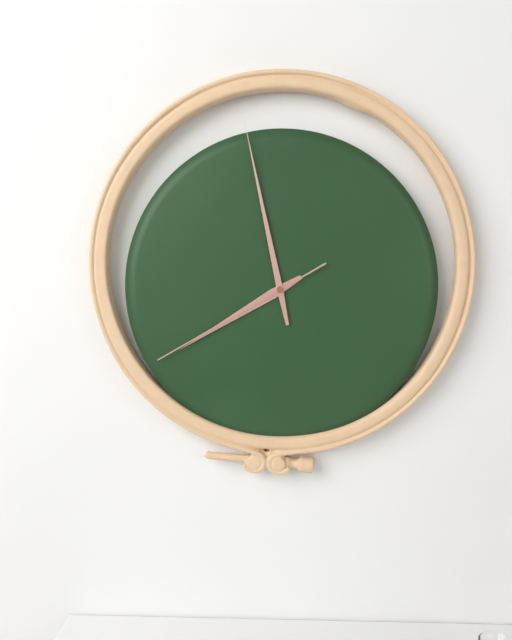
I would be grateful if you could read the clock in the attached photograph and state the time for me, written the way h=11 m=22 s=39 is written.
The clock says h=7 m=58 s=40
